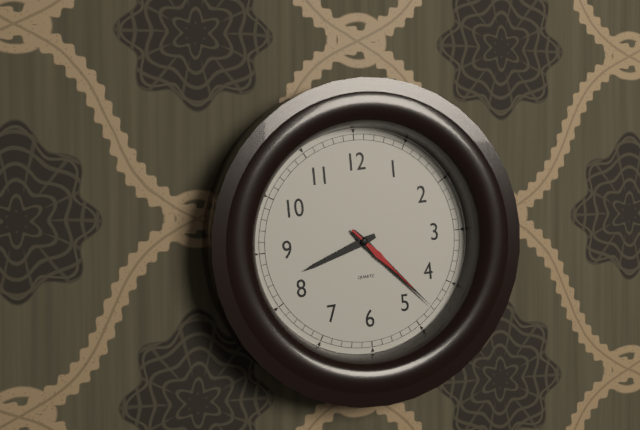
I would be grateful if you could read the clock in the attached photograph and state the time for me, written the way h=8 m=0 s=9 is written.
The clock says h=8 m=23 s=23
